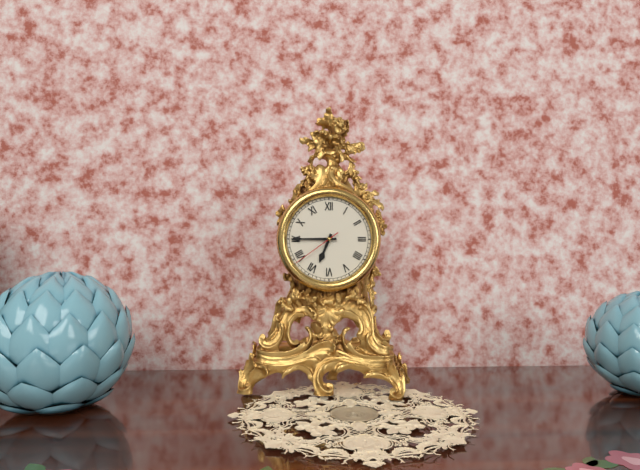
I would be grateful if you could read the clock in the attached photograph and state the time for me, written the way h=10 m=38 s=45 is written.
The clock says h=6 m=45 s=39
